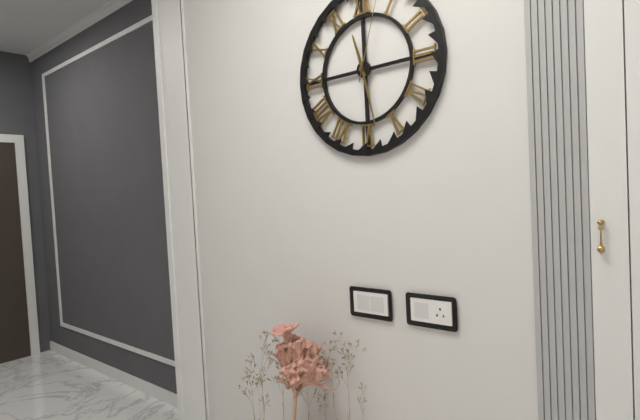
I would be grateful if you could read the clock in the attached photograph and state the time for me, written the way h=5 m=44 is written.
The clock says h=11 m=28
